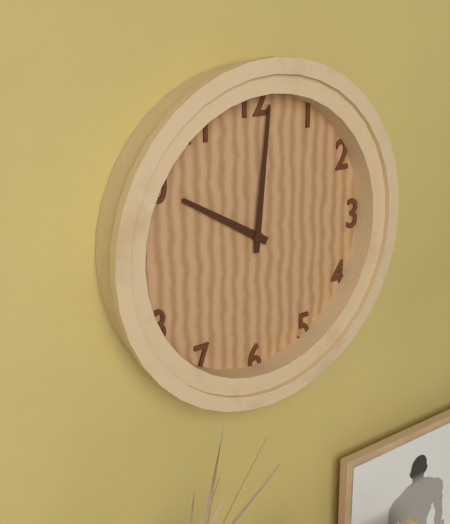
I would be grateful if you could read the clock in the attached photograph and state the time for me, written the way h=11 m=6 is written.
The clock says h=10 m=1
